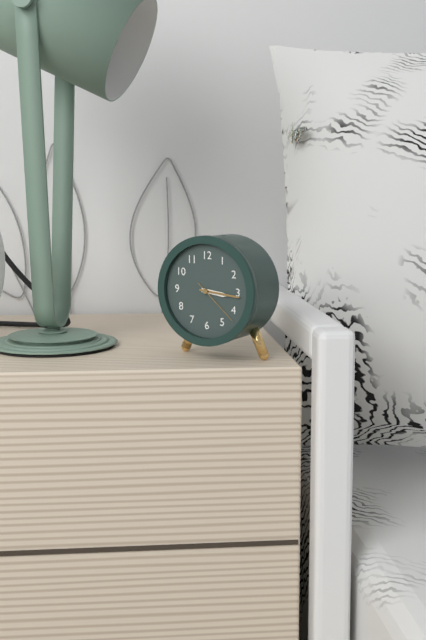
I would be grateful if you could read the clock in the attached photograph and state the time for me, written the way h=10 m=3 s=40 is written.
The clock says h=3 m=16 s=22
